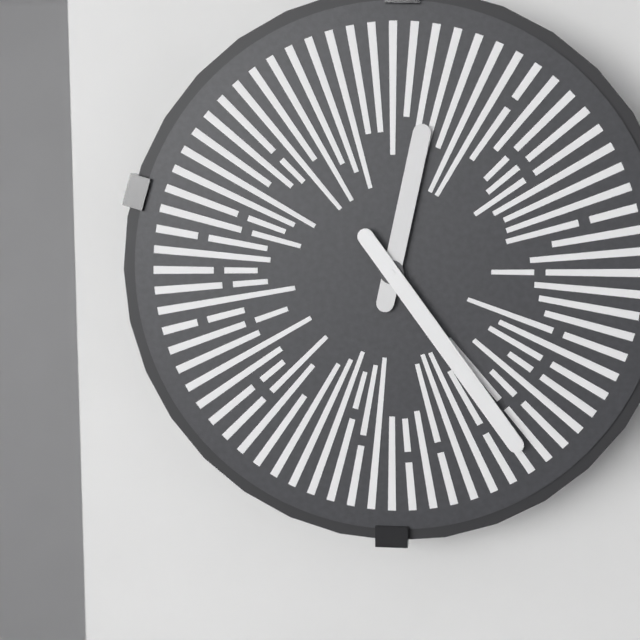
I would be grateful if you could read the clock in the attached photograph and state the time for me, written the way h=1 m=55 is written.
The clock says h=12 m=24
